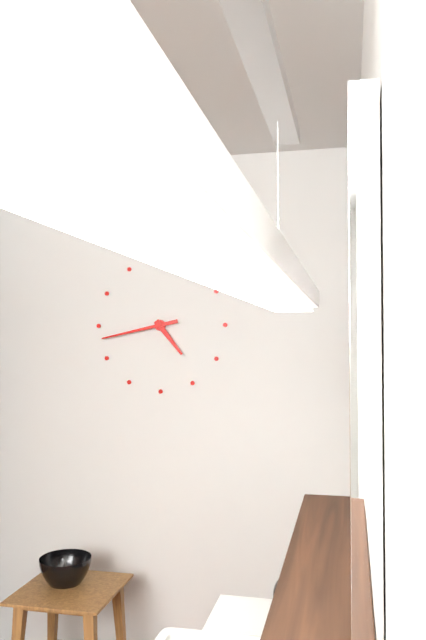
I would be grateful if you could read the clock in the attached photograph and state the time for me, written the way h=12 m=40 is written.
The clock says h=4 m=43
